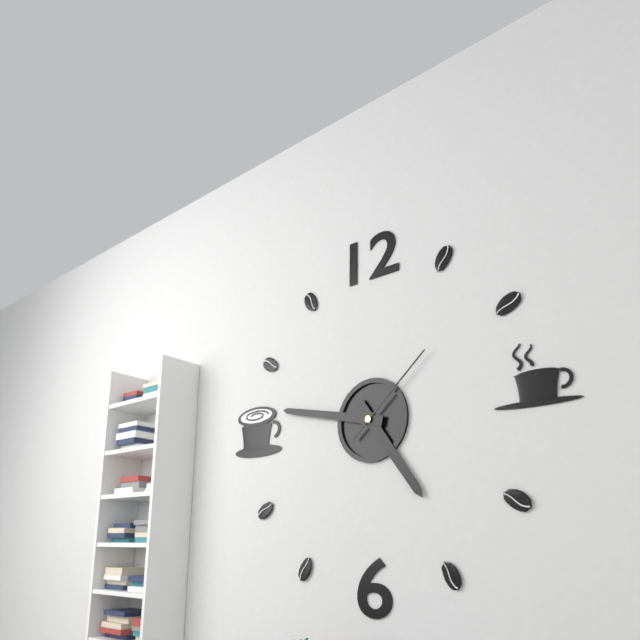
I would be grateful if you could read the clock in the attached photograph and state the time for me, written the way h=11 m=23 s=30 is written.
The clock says h=4 m=47 s=8
